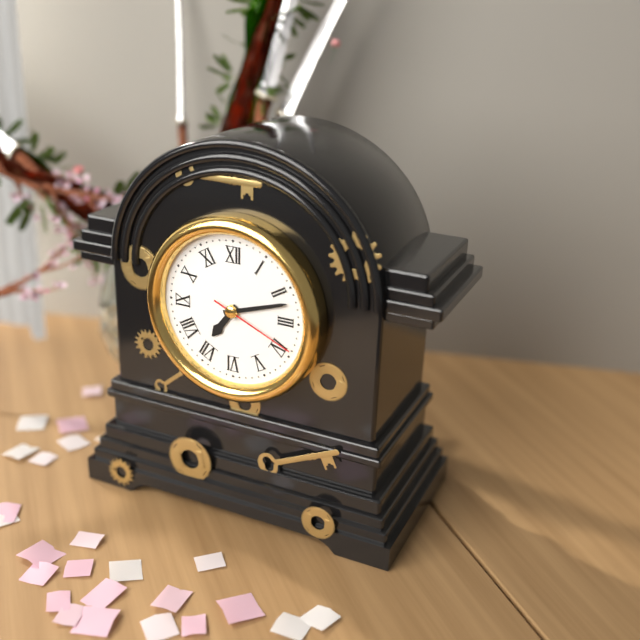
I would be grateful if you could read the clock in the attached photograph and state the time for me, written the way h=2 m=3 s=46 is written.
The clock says h=7 m=12 s=19
